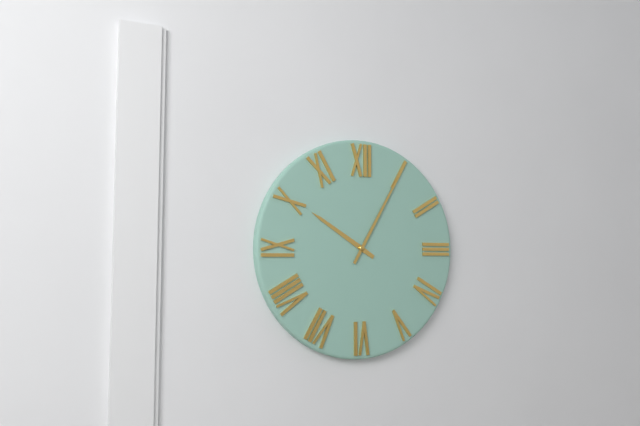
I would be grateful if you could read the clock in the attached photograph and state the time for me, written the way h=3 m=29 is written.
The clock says h=10 m=5
